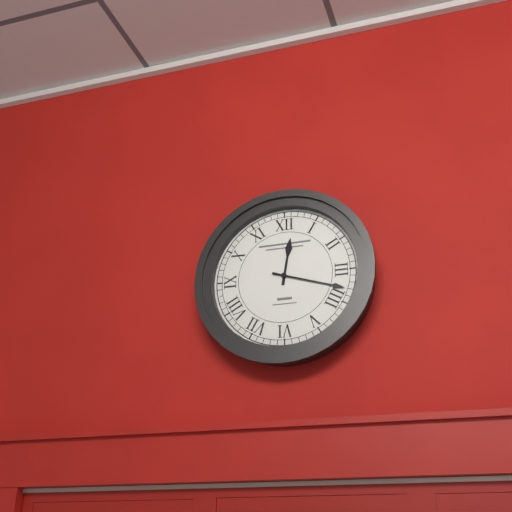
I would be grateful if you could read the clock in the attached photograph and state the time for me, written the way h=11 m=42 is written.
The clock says h=12 m=18
